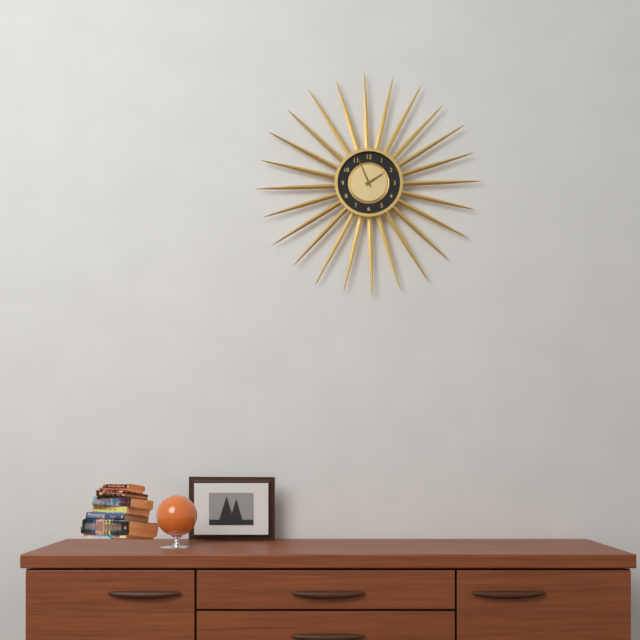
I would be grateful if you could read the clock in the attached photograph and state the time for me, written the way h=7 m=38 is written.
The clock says h=1 m=56
